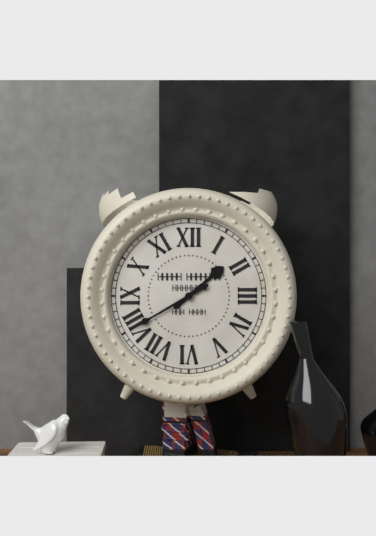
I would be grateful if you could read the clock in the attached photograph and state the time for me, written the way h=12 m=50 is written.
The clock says h=1 m=40
